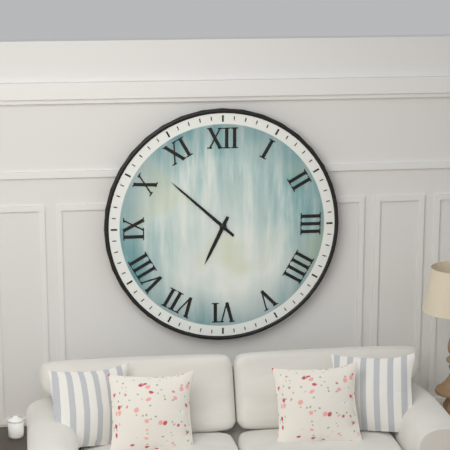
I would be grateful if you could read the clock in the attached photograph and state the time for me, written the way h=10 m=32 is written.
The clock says h=6 m=52
